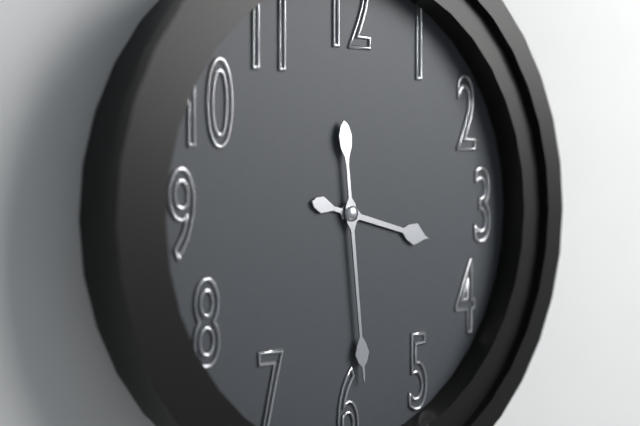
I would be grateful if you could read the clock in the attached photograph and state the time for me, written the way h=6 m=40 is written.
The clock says h=3 m=29
